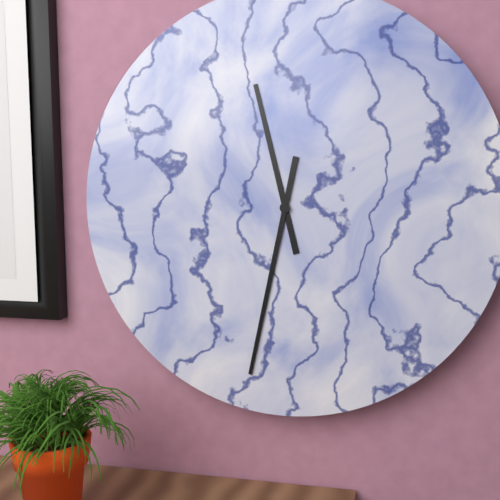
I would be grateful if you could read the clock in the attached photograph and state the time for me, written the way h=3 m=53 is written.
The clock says h=11 m=32
